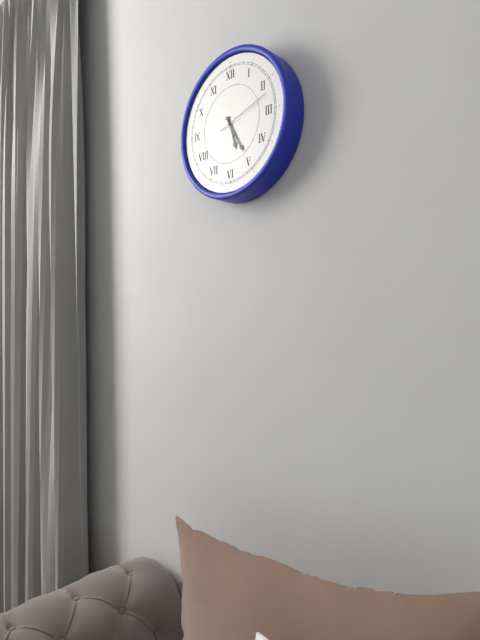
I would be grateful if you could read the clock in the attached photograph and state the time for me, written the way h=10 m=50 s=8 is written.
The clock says h=5 m=25 s=12
